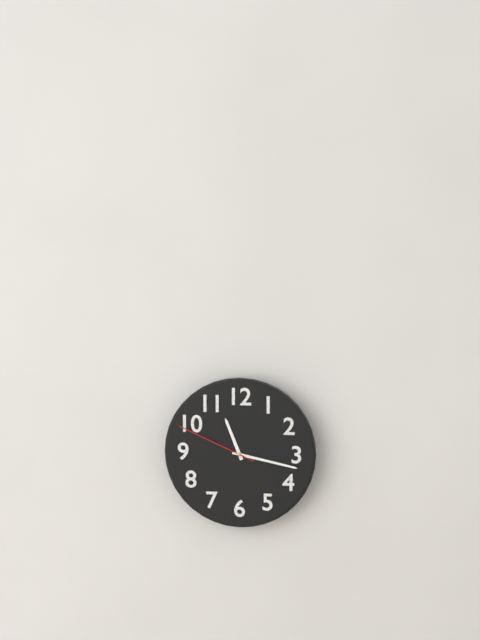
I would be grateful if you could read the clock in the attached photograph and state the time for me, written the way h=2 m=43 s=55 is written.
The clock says h=11 m=17 s=49
